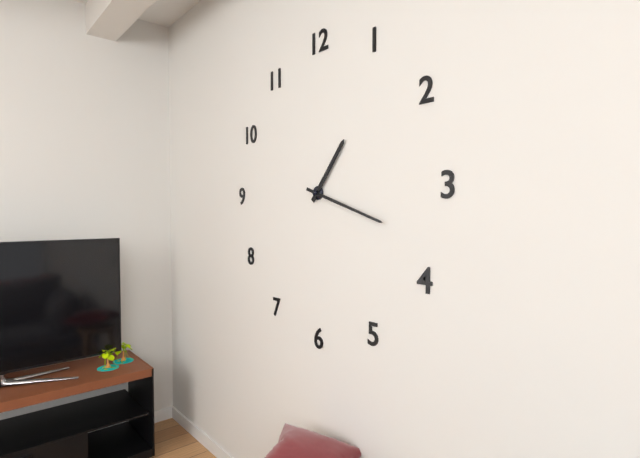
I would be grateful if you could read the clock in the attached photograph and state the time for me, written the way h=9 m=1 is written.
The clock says h=1 m=18
